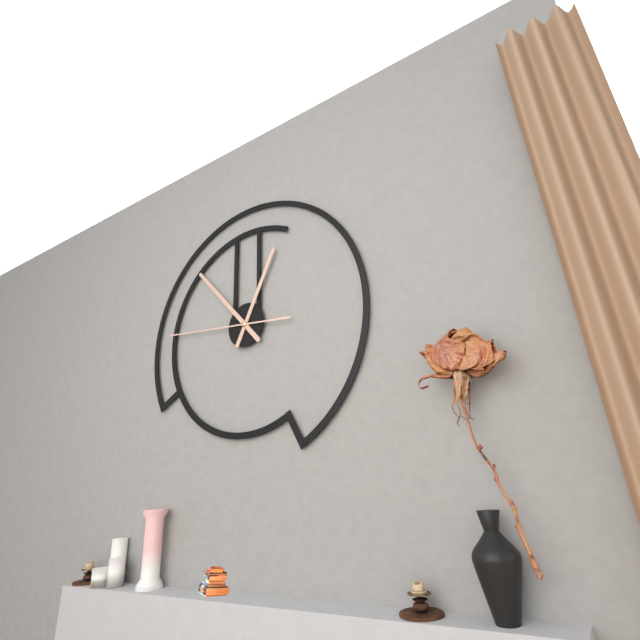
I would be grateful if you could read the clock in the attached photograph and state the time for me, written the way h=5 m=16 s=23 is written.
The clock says h=12 m=53 s=46
